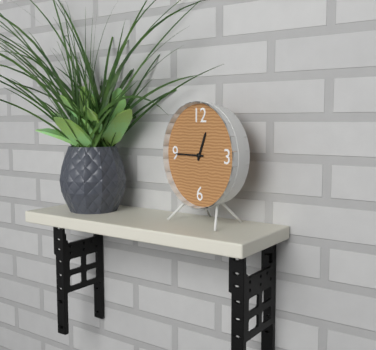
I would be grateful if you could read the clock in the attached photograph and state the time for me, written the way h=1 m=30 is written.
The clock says h=12 m=45
